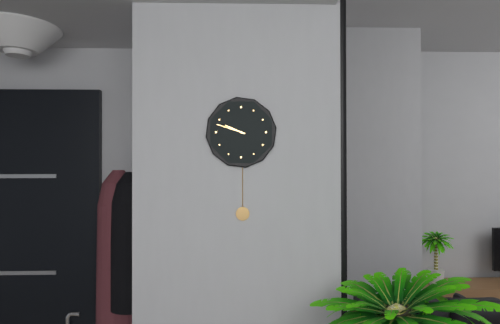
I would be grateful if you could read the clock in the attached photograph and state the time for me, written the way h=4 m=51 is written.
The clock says h=9 m=48
